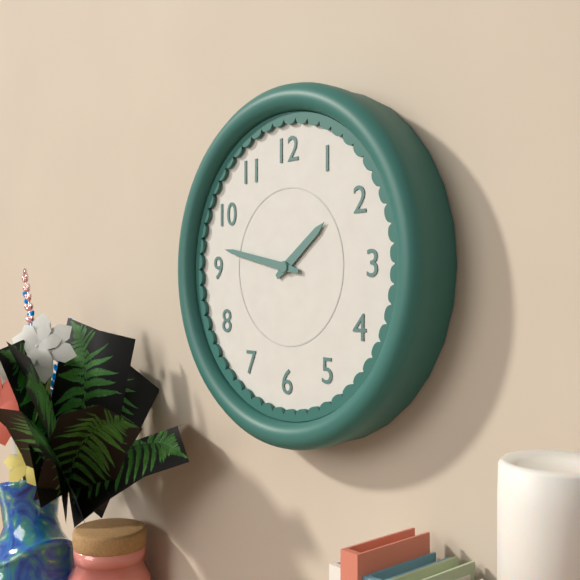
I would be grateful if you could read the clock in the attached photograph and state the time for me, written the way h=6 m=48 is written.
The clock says h=1 m=47
